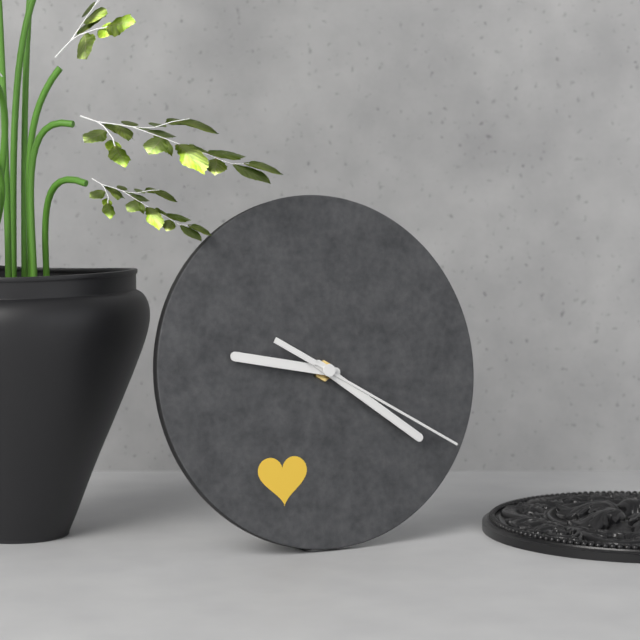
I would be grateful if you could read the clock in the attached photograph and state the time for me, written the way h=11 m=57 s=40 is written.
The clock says h=9 m=21 s=20
